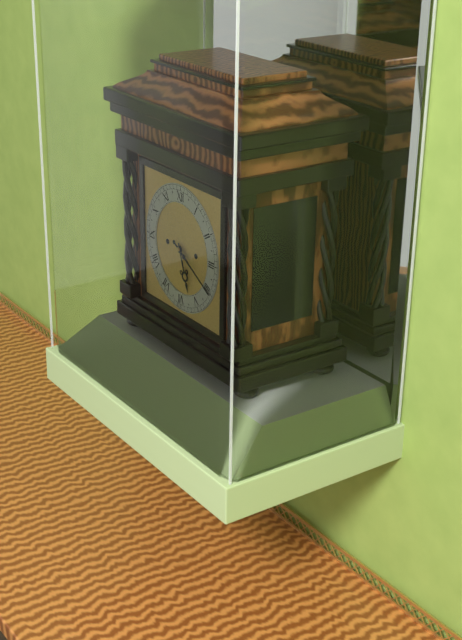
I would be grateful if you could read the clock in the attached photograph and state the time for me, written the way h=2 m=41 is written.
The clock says h=5 m=20
